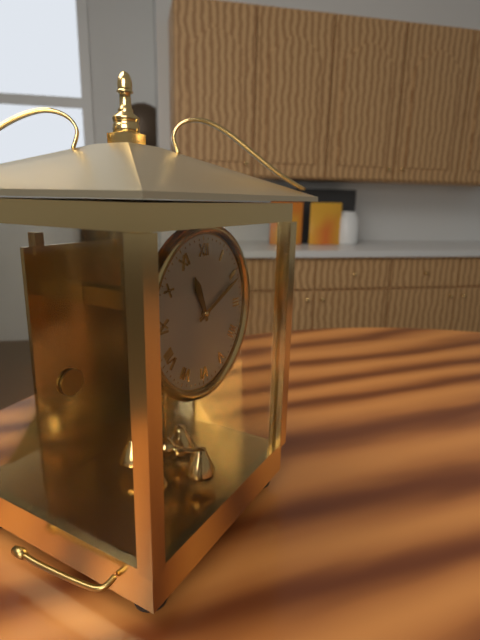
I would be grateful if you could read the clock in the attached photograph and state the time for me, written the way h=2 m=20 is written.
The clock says h=11 m=11
